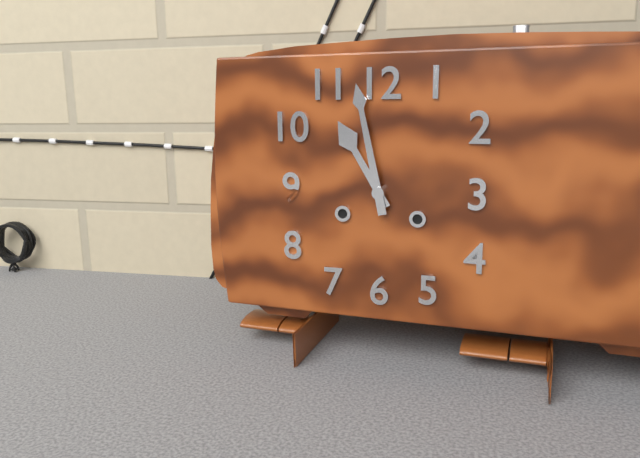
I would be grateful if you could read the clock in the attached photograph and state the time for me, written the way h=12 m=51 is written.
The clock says h=10 m=58
